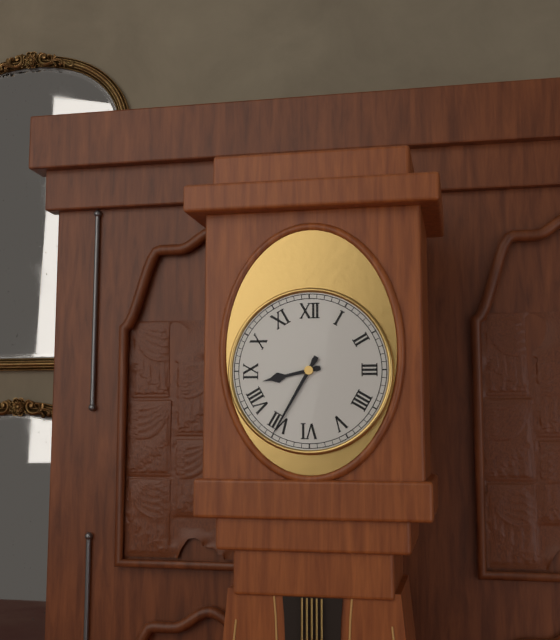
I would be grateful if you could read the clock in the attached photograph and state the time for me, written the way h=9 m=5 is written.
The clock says h=8 m=35
